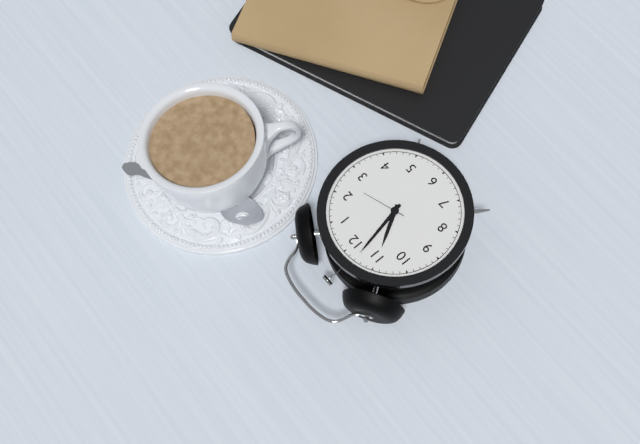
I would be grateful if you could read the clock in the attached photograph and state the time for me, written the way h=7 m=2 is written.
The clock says h=10 m=58
